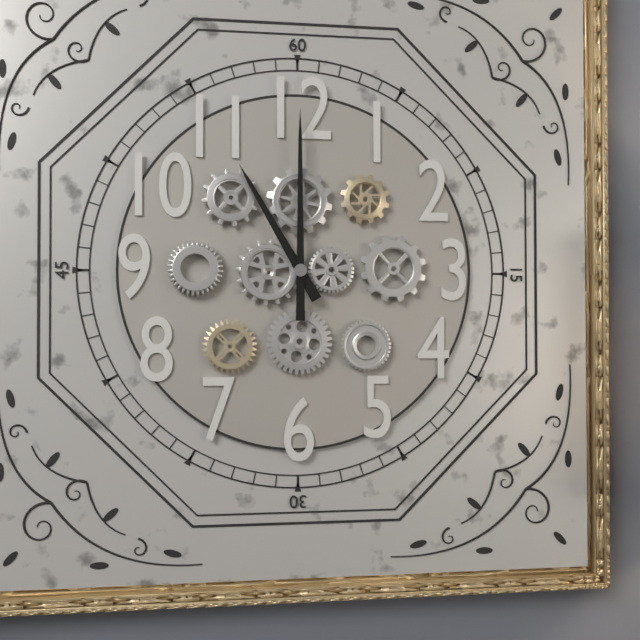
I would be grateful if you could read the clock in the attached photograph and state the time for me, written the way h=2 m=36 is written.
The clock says h=11 m=0
